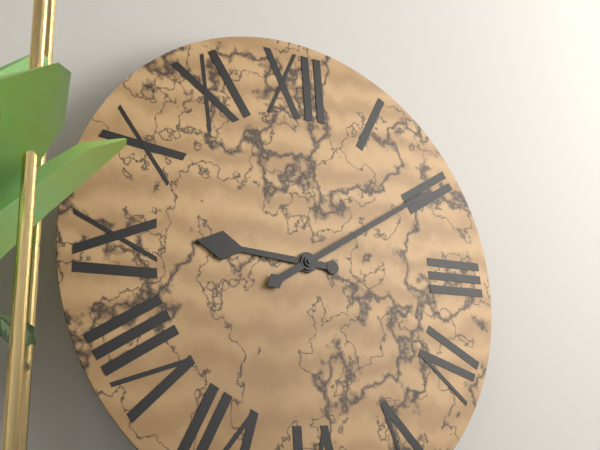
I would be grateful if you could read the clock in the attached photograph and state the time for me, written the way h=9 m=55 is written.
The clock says h=9 m=10
